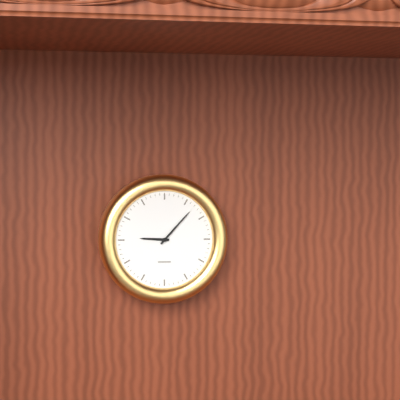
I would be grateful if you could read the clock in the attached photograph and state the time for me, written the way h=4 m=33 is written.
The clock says h=9 m=7
